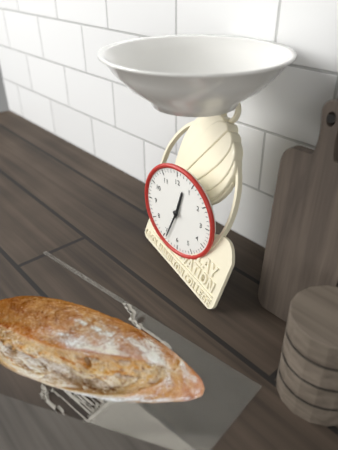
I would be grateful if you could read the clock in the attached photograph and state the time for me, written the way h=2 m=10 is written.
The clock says h=12 m=34
